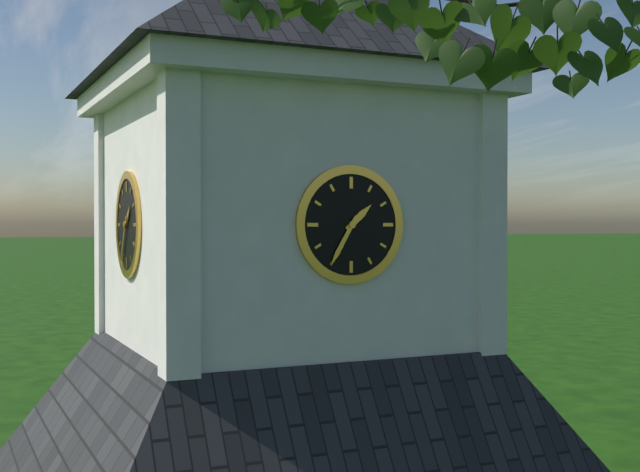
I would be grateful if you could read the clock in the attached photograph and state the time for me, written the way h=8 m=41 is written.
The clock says h=1 m=35
